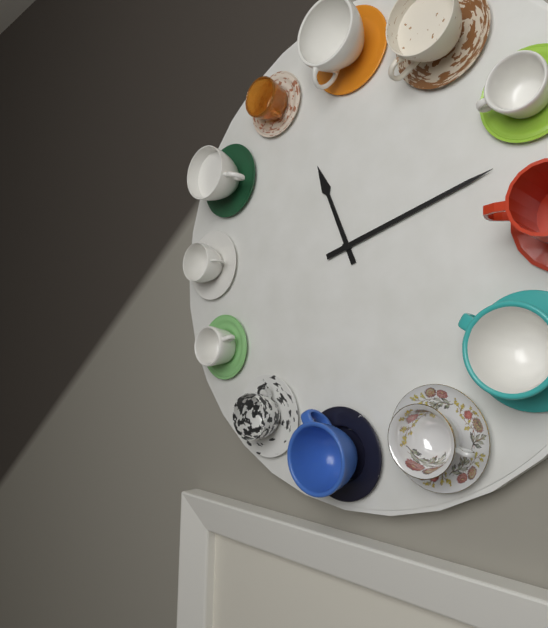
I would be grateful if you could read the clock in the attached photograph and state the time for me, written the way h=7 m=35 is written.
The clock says h=11 m=12
